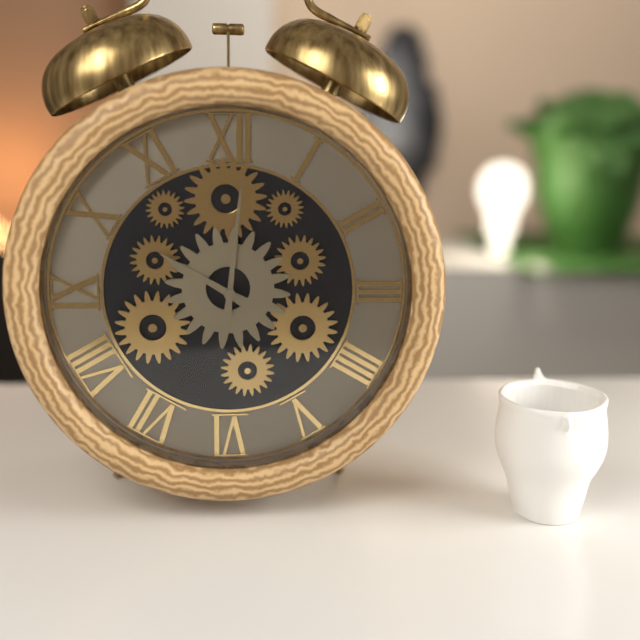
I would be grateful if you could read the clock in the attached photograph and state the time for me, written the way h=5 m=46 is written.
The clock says h=10 m=1
